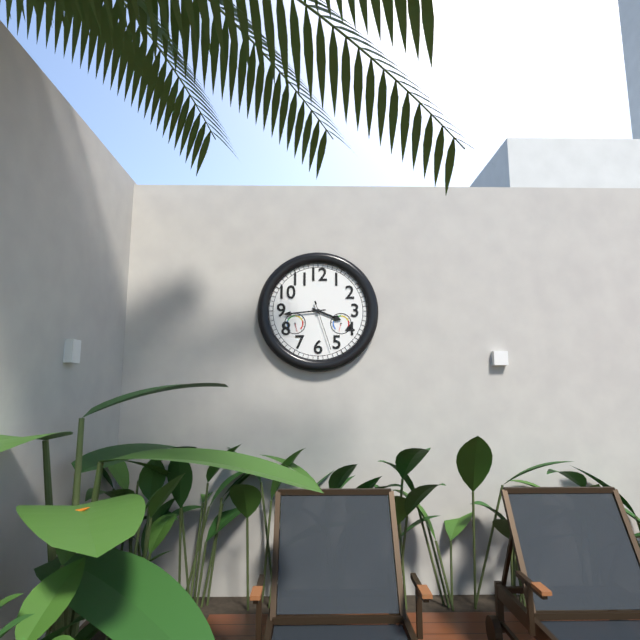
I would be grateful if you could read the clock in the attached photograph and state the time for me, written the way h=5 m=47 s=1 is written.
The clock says h=3 m=44 s=27
